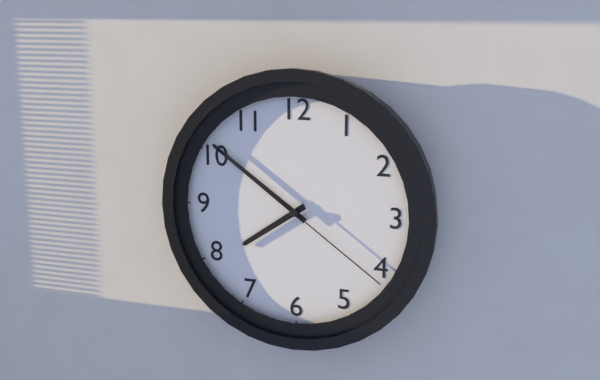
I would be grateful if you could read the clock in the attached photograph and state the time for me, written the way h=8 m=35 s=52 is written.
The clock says h=7 m=51 s=21
